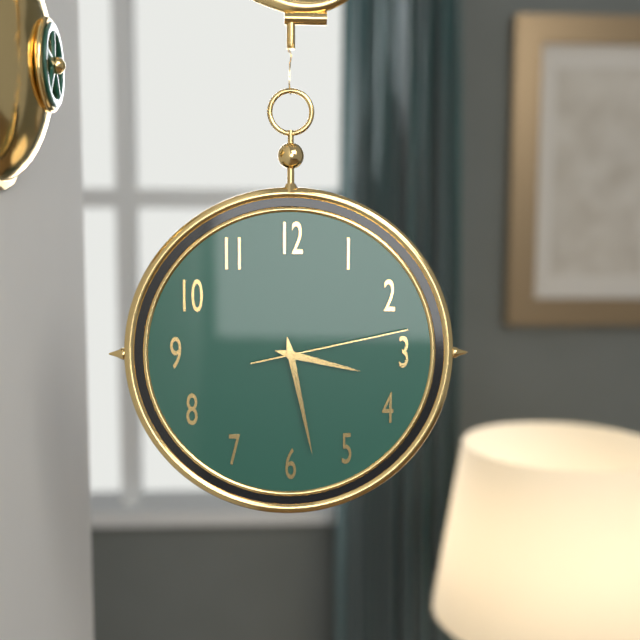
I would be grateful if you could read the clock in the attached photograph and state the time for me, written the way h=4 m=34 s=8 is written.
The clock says h=3 m=28 s=13
